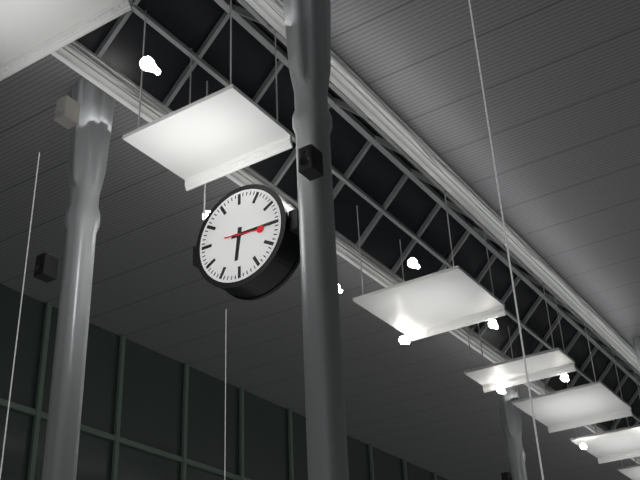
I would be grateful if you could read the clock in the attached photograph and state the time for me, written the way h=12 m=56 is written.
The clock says h=6 m=15
